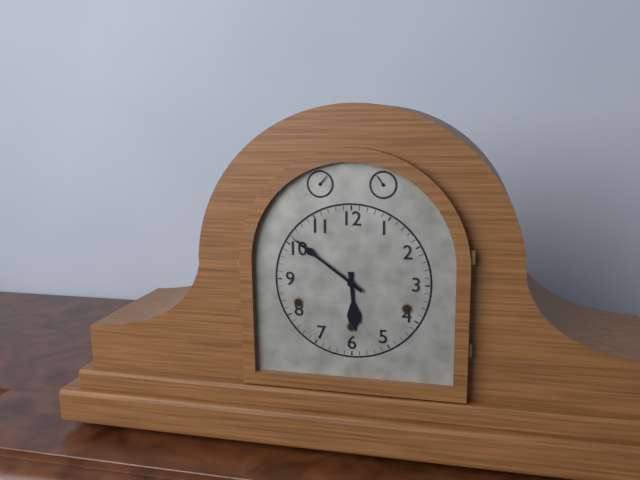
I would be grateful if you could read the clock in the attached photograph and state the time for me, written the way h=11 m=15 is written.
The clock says h=5 m=51
